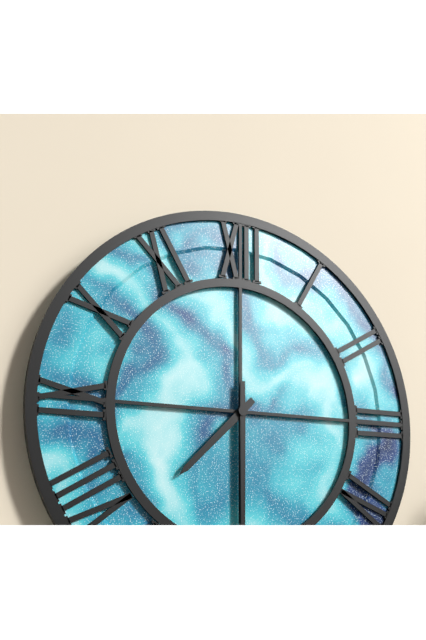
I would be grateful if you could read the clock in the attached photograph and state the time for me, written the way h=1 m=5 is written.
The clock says h=7 m=30
